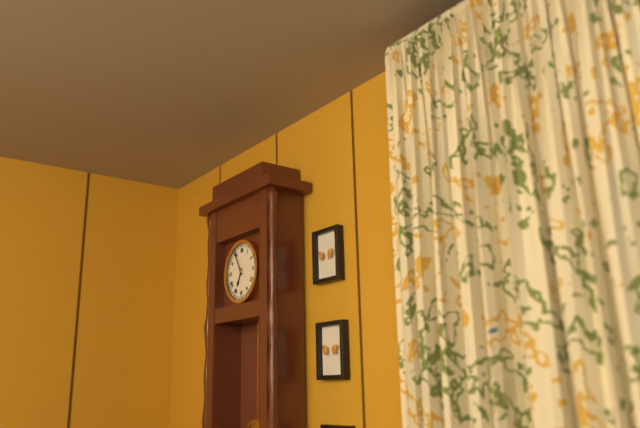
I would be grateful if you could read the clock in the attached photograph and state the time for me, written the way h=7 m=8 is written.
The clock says h=6 m=55
